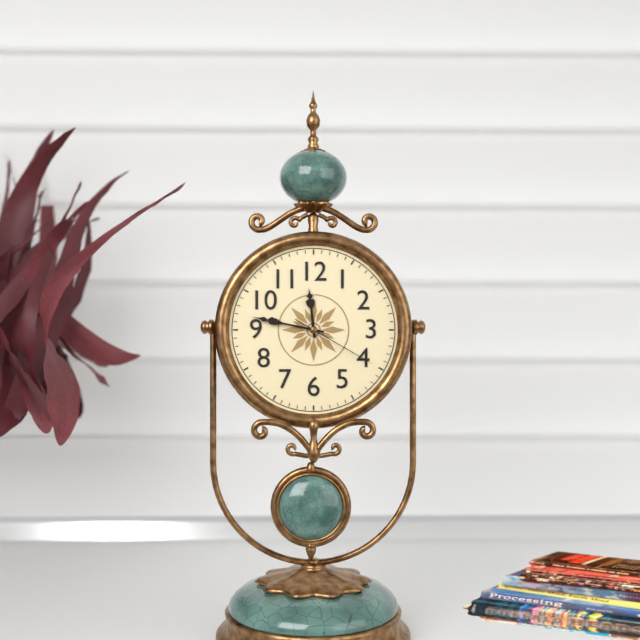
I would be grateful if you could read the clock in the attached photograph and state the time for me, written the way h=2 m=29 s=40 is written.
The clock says h=11 m=47 s=20
